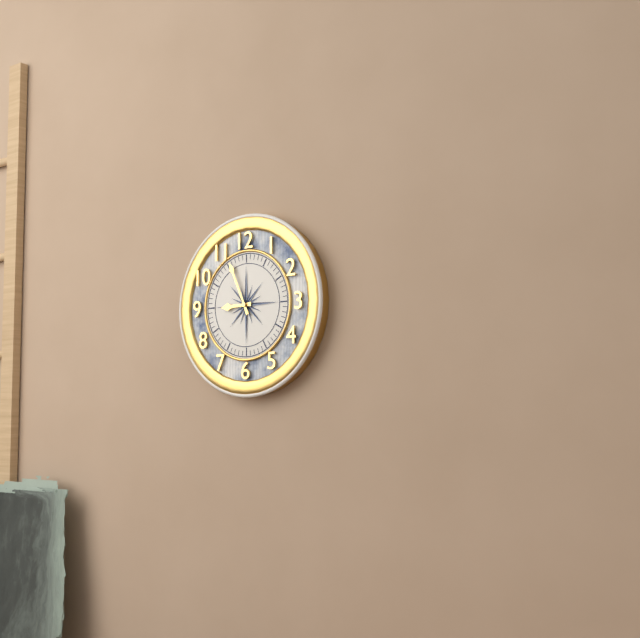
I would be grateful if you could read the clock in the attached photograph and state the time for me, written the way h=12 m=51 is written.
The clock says h=8 m=56
